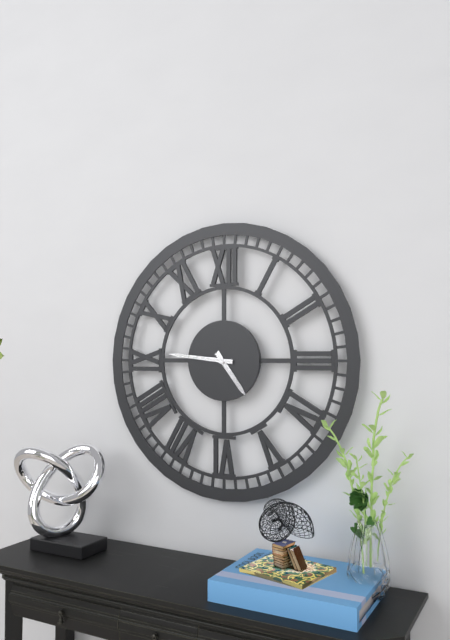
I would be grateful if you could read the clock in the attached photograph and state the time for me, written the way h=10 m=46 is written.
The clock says h=4 m=46
